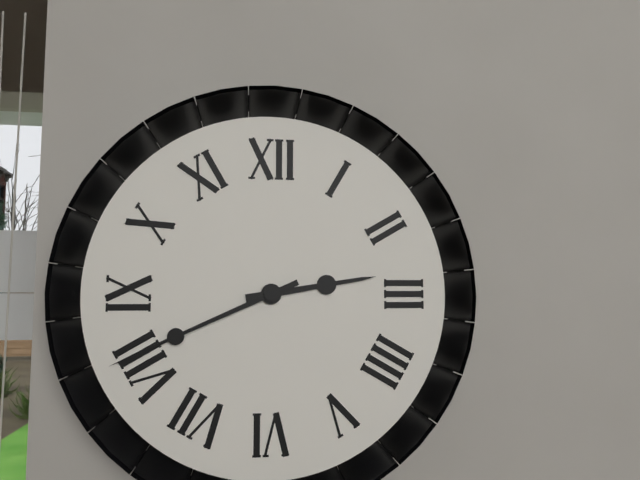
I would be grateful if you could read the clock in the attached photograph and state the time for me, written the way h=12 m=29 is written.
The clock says h=2 m=41
